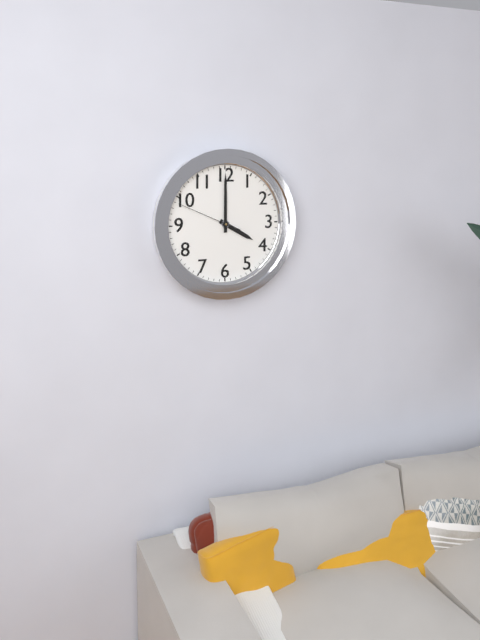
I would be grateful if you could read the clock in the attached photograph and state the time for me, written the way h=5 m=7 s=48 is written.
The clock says h=4 m=0 s=49
